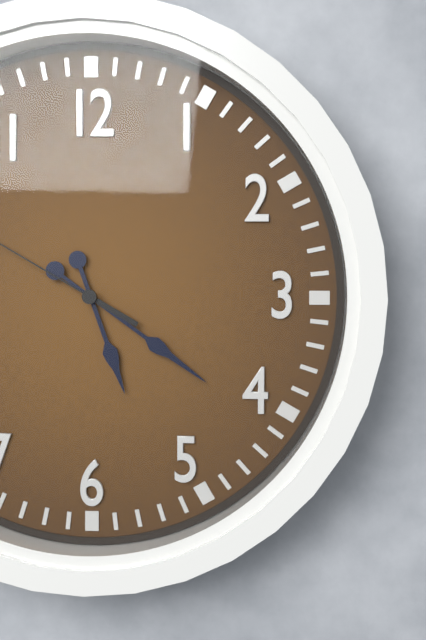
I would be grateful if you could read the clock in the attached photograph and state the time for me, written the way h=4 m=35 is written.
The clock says h=5 m=21
